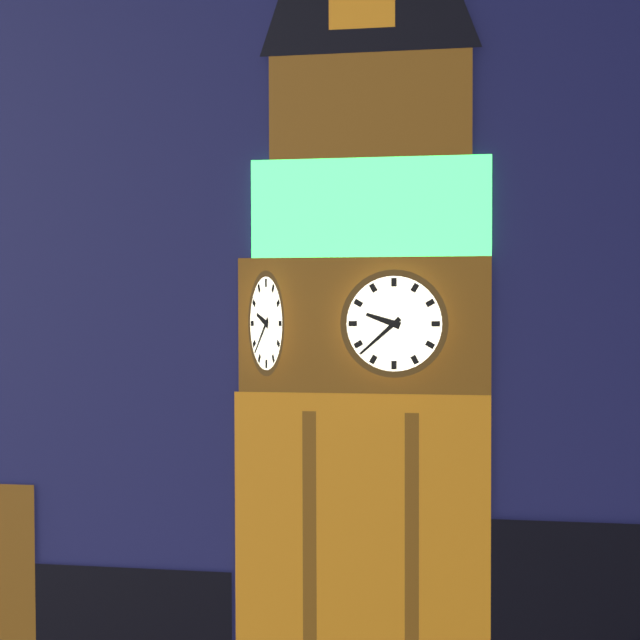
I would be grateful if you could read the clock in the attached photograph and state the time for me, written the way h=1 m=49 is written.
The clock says h=9 m=38
